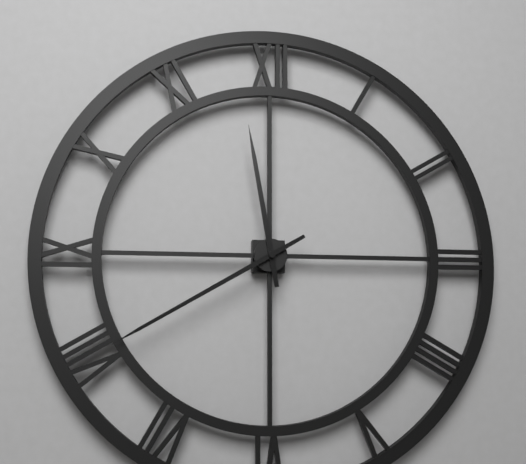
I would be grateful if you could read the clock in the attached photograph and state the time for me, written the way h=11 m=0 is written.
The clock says h=11 m=40
